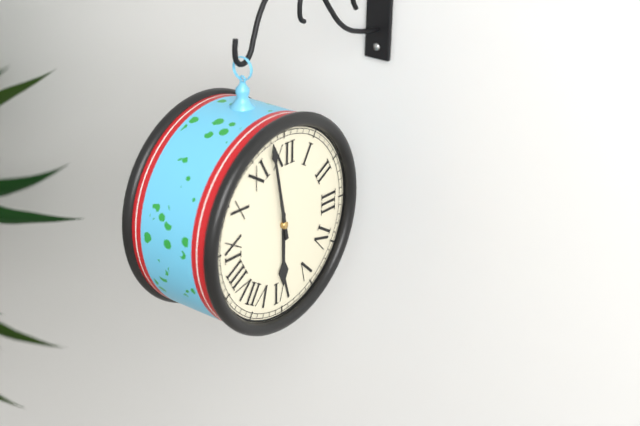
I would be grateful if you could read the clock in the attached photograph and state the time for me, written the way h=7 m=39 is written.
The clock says h=5 m=58
